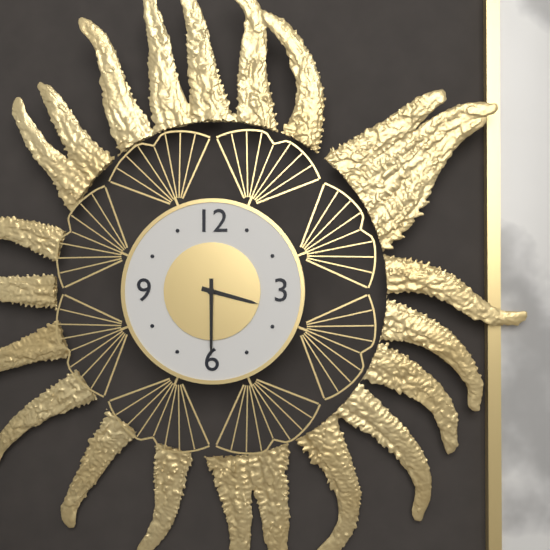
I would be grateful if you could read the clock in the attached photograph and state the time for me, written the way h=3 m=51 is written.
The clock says h=3 m=30
